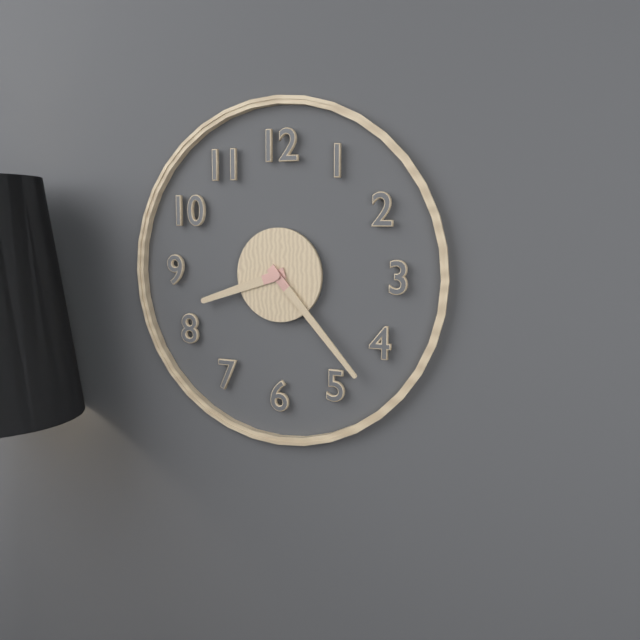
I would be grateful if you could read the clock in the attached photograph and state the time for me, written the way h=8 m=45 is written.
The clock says h=8 m=23
